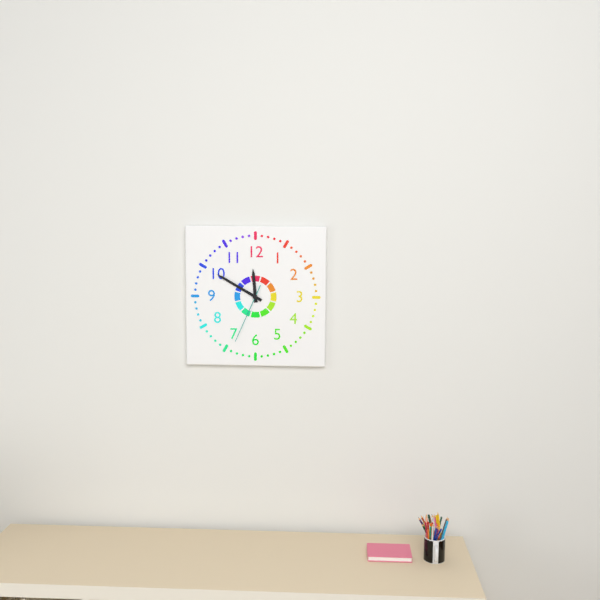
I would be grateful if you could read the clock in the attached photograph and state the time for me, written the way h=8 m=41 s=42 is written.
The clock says h=11 m=50 s=34
